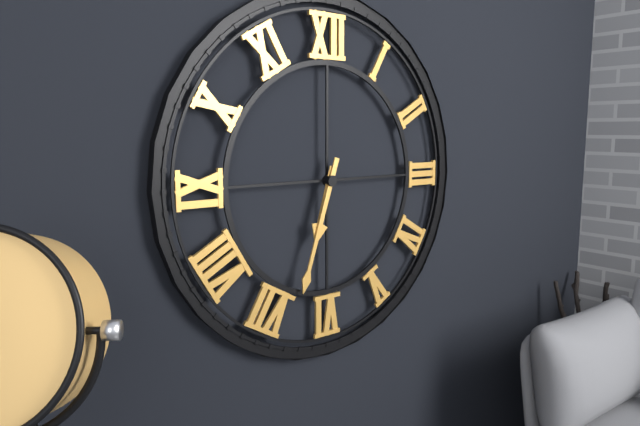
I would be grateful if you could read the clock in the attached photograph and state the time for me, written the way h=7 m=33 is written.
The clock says h=6 m=33
